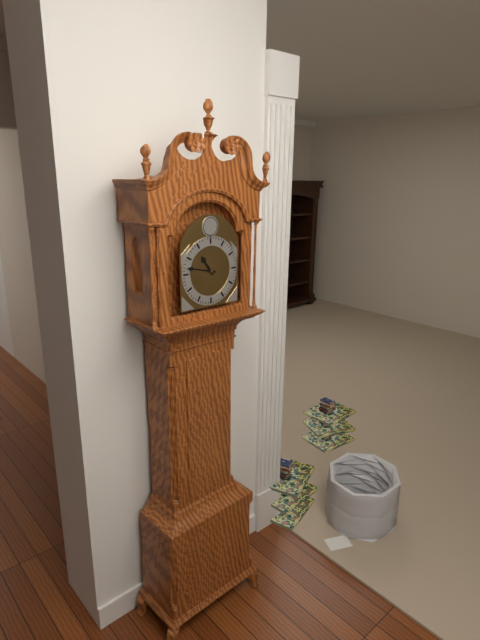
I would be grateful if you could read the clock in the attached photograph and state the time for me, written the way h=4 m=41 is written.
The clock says h=10 m=47
